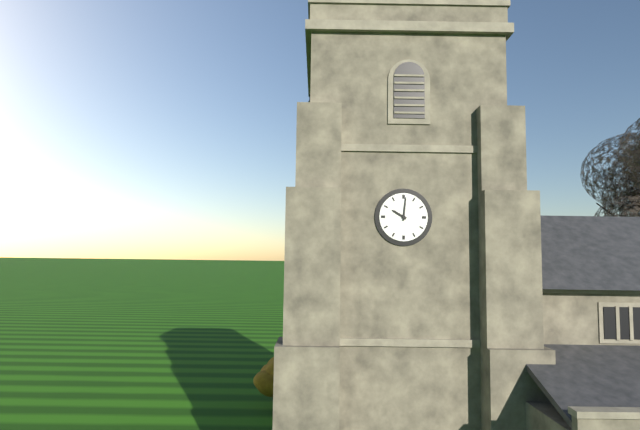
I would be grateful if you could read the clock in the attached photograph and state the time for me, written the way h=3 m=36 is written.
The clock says h=10 m=1
